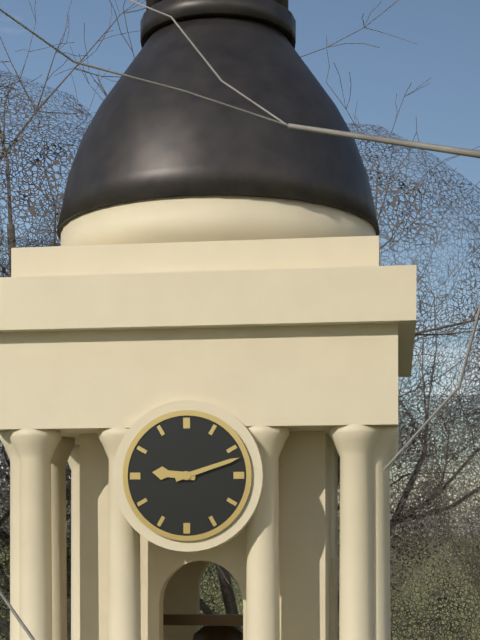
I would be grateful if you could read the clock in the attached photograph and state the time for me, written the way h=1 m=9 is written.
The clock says h=9 m=12
